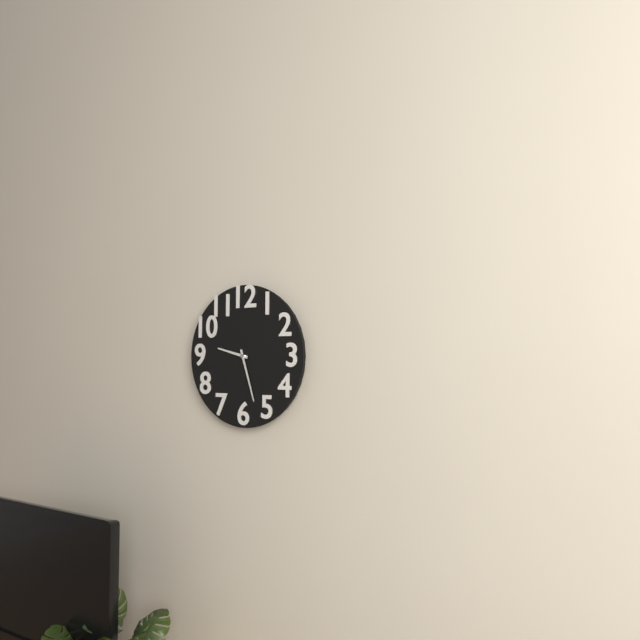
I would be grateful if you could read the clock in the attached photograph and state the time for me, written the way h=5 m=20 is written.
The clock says h=9 m=27
